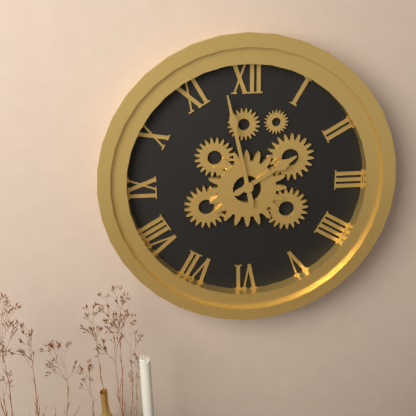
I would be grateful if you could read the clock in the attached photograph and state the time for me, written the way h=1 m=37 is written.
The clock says h=1 m=58
